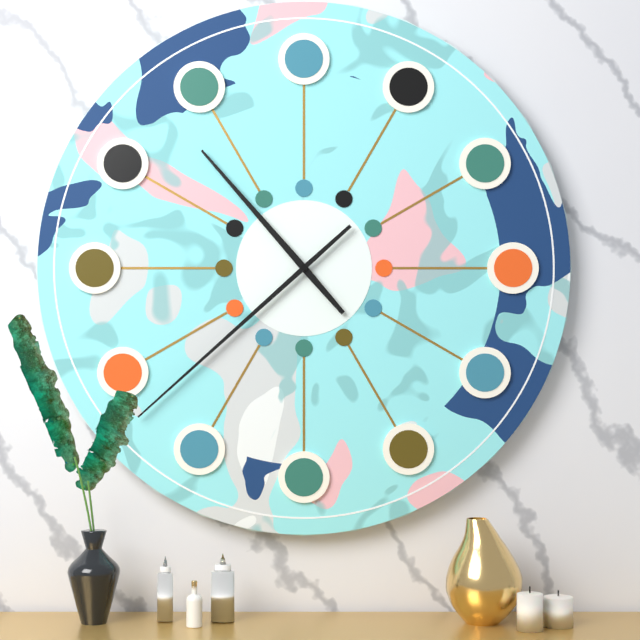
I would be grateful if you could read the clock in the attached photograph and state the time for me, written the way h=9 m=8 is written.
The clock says h=10 m=38
